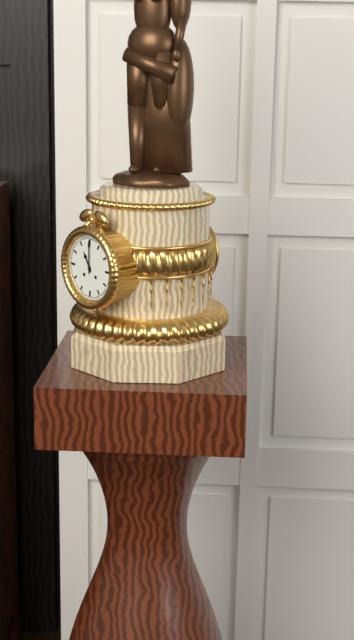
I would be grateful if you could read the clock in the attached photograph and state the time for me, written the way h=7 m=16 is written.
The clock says h=11 m=0
